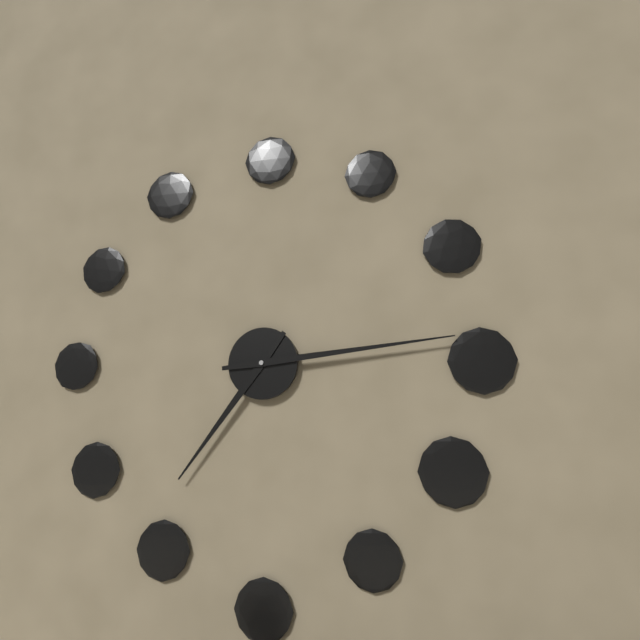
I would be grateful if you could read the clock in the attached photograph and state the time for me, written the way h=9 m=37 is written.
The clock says h=7 m=14
